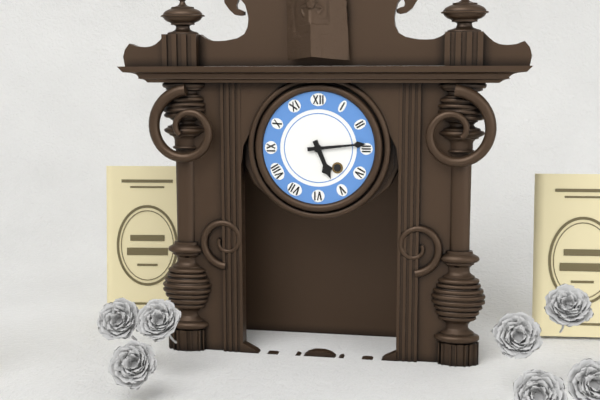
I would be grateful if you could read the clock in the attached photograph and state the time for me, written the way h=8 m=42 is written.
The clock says h=5 m=14
